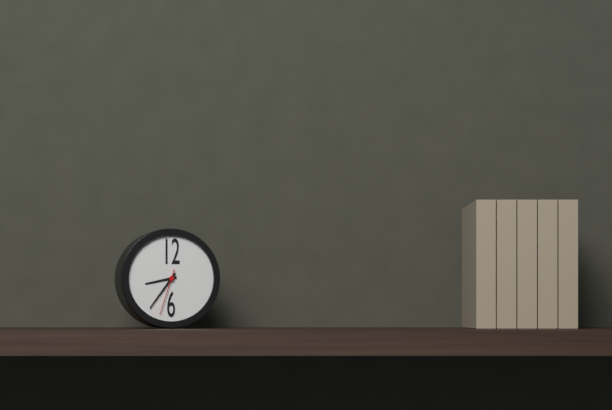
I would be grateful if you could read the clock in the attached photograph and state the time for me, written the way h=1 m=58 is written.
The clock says h=8 m=36
